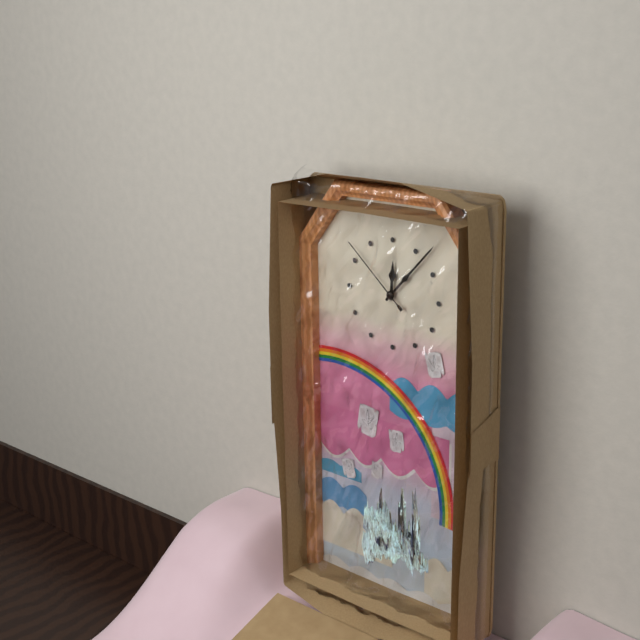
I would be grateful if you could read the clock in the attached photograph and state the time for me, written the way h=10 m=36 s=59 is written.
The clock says h=12 m=7 s=52
